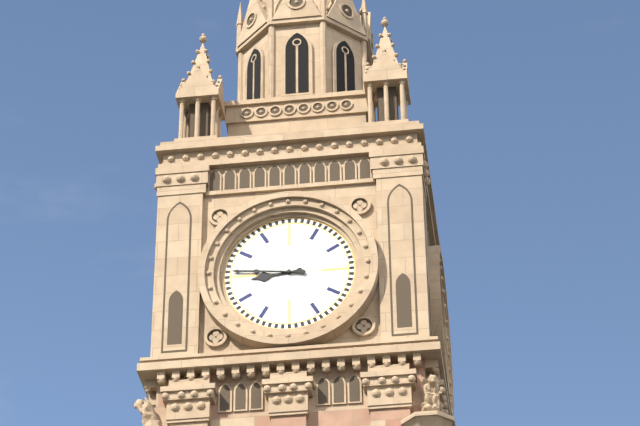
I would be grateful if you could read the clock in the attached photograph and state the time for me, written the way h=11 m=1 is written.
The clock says h=8 m=46
